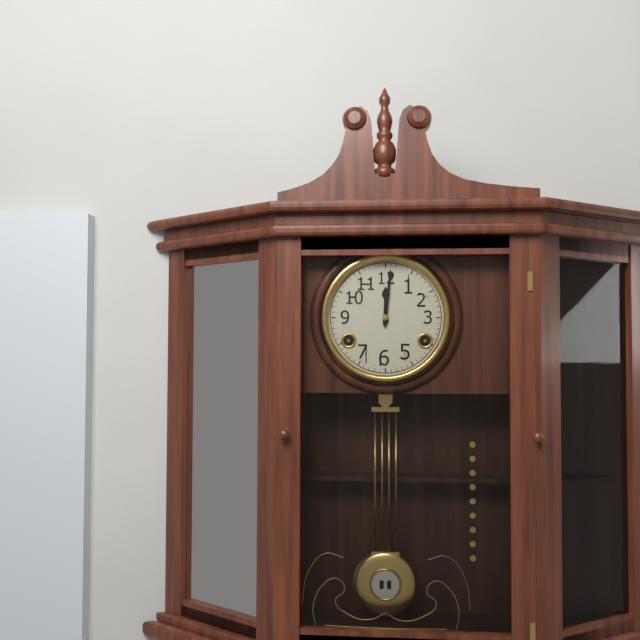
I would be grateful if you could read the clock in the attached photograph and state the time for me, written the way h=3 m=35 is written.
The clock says h=12 m=1
